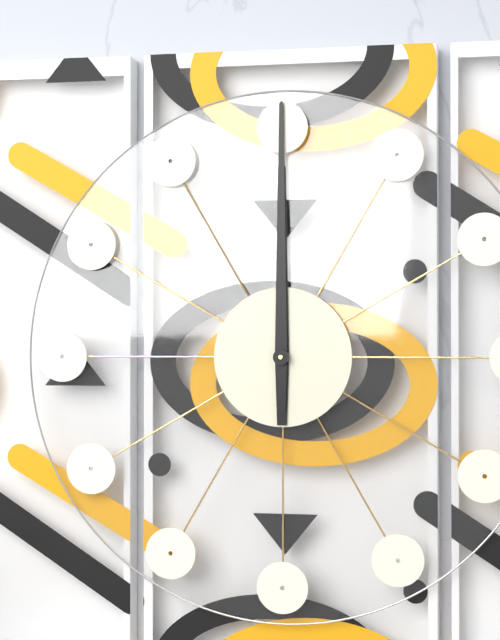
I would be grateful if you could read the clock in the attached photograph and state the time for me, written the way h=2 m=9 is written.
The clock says h=12 m=0
